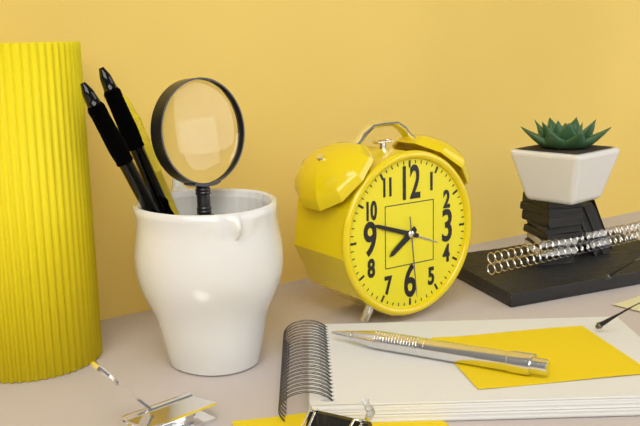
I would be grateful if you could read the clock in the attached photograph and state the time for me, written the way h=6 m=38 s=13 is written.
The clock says h=7 m=48 s=29
